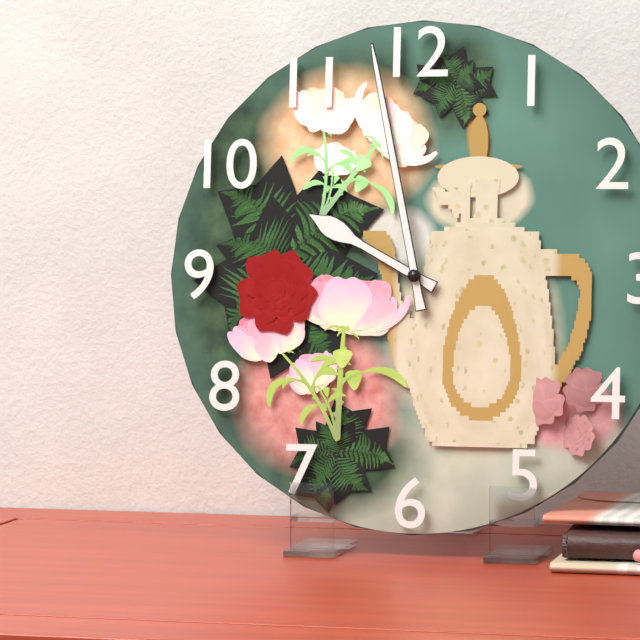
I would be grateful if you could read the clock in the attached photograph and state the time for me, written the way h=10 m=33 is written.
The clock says h=9 m=58
